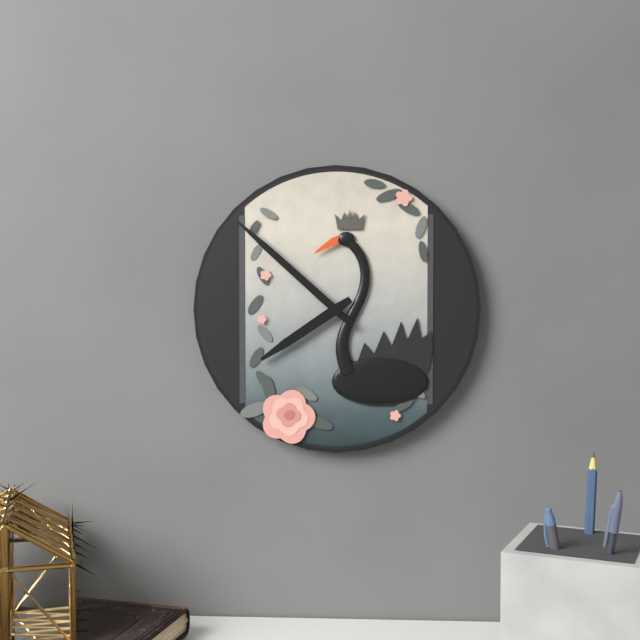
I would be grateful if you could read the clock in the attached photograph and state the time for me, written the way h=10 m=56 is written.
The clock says h=7 m=52
